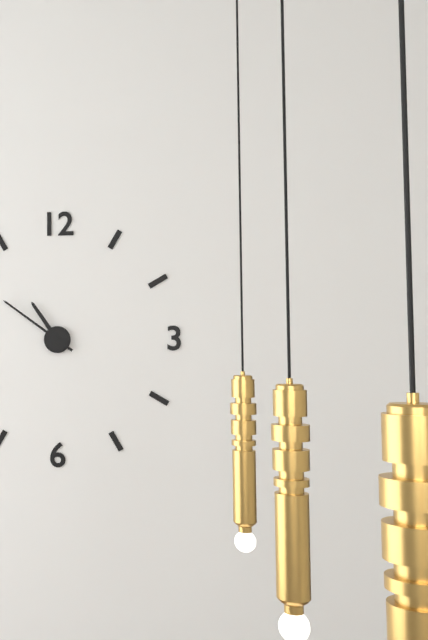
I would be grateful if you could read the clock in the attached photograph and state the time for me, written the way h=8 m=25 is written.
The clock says h=10 m=51
